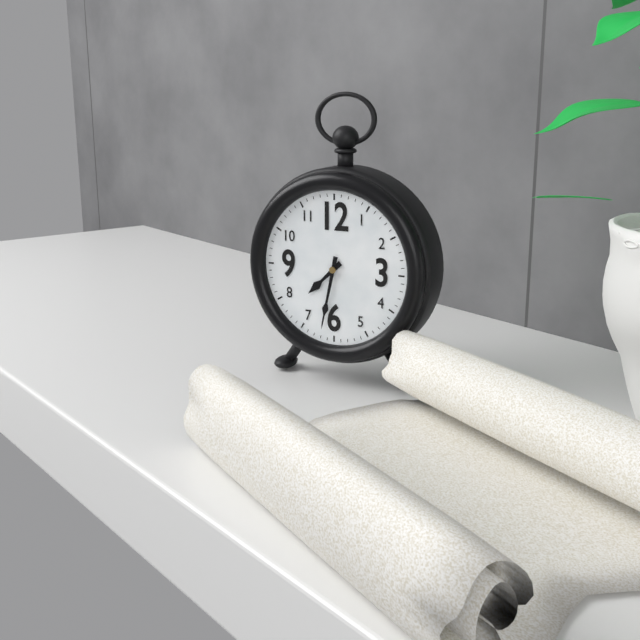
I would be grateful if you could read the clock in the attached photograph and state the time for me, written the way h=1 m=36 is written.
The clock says h=7 m=32
